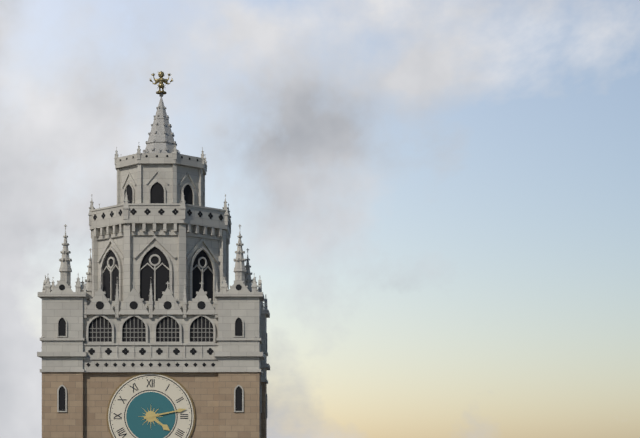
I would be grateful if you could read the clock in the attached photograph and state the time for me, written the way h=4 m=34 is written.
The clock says h=4 m=13
